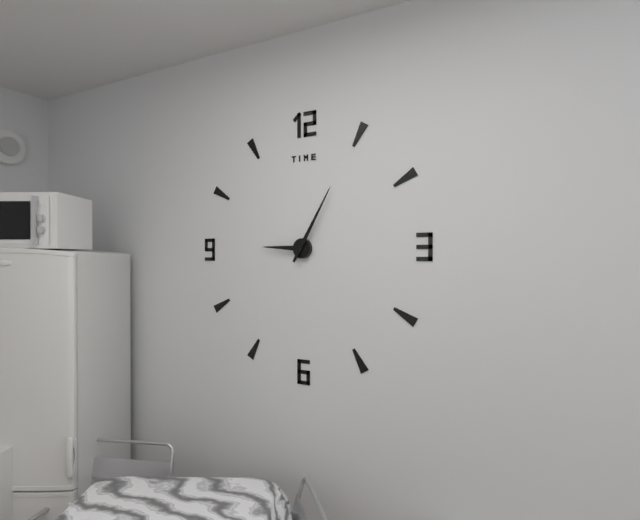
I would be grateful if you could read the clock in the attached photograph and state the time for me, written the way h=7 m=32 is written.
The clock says h=9 m=5
